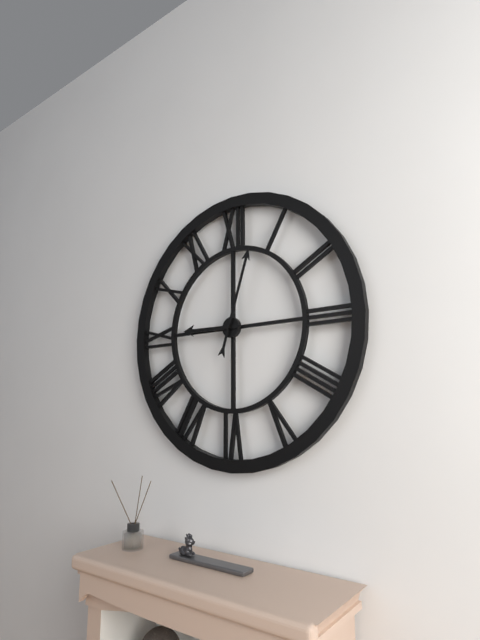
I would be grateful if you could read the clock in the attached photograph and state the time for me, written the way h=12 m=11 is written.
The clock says h=9 m=3
